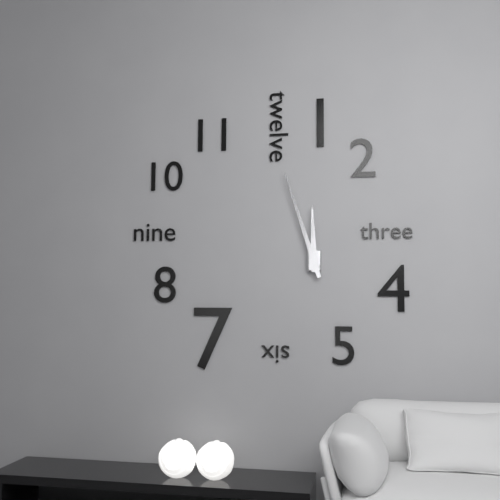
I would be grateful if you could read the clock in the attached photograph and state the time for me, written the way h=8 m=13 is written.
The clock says h=11 m=57
